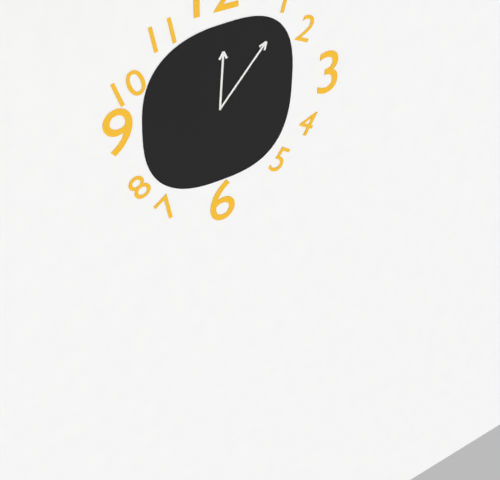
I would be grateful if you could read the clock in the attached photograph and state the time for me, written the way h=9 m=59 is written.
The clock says h=12 m=7
